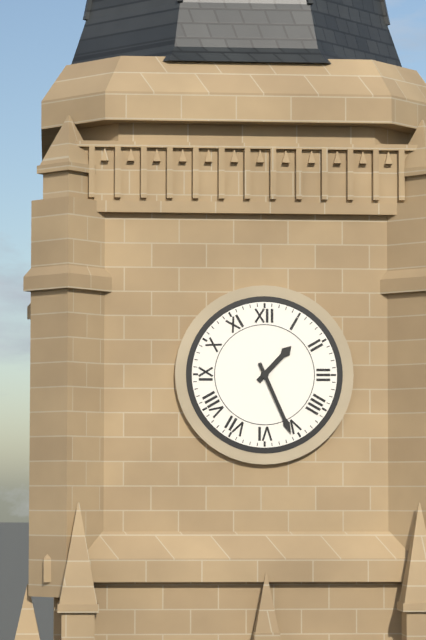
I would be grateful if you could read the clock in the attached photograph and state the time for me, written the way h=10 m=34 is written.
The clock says h=1 m=26
